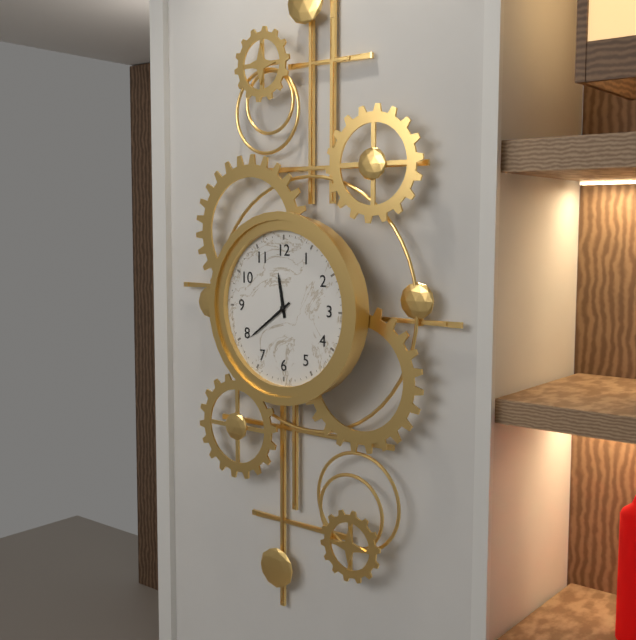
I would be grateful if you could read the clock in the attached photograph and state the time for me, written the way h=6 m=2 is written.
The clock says h=11 m=39
